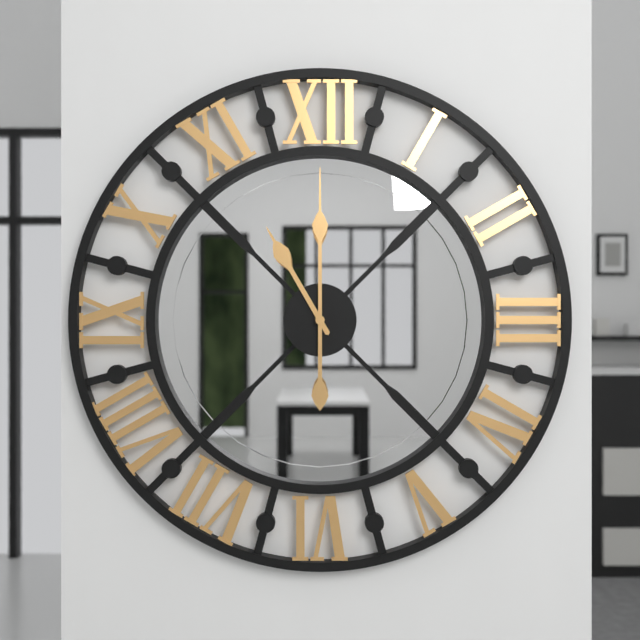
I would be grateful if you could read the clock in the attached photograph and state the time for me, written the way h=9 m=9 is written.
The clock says h=11 m=0
